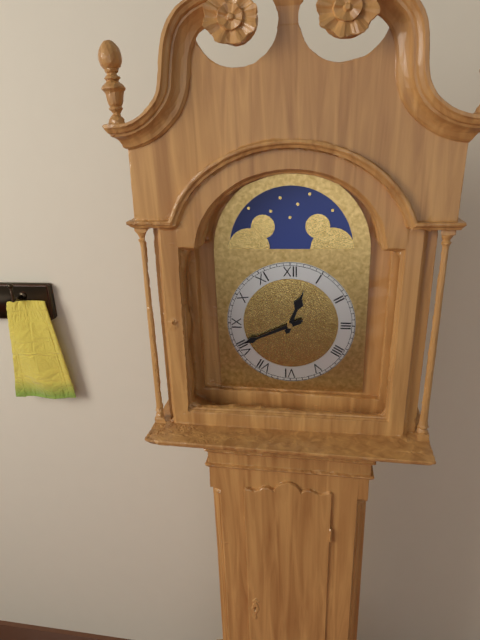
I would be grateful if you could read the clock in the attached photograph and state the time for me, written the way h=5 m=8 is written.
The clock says h=12 m=41
